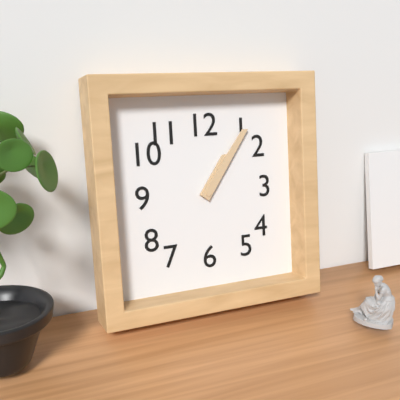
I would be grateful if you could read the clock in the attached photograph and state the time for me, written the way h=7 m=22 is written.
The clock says h=1 m=6
